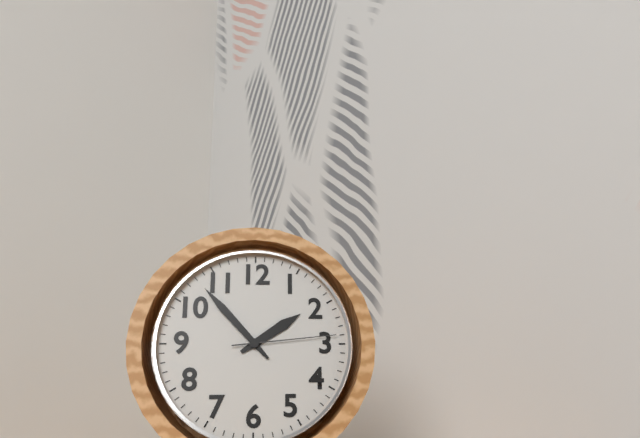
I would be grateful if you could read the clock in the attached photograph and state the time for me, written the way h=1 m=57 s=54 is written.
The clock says h=1 m=53 s=14
